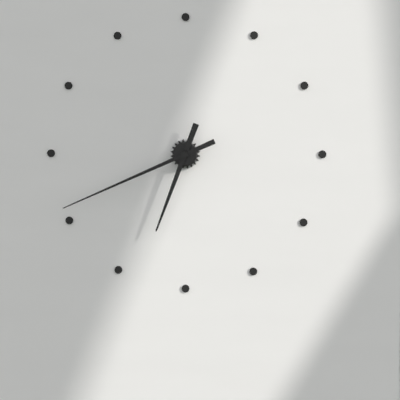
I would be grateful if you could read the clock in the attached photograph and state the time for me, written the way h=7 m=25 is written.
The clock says h=6 m=41
